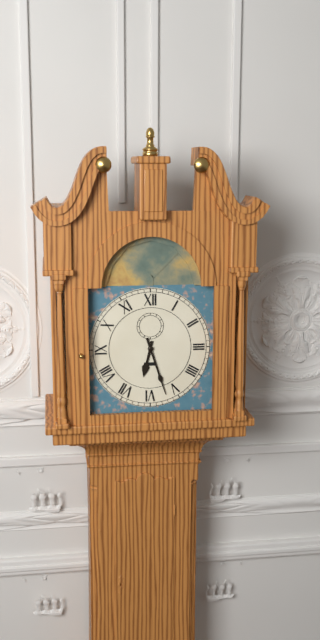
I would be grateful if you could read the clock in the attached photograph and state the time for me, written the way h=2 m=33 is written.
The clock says h=6 m=27
